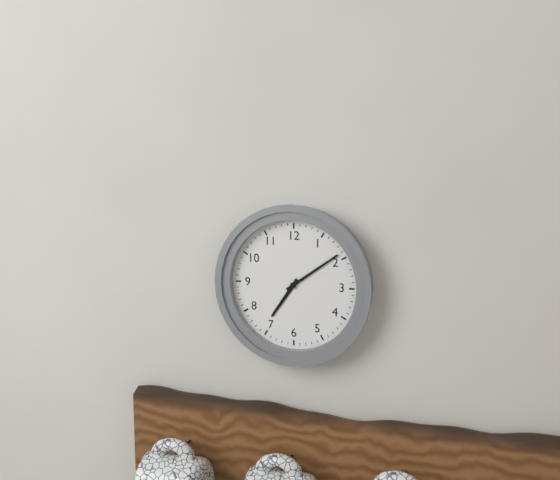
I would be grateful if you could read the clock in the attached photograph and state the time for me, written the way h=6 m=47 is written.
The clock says h=7 m=9
